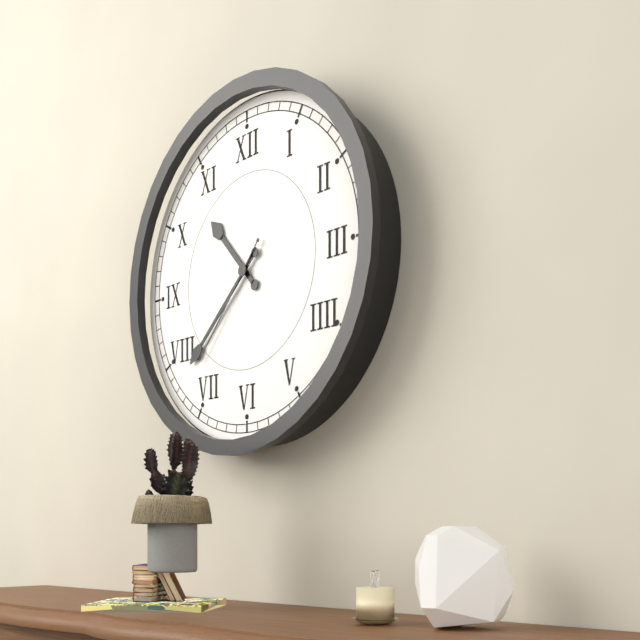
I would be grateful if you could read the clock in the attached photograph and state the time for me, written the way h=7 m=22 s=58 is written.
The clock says h=10 m=38 s=37
